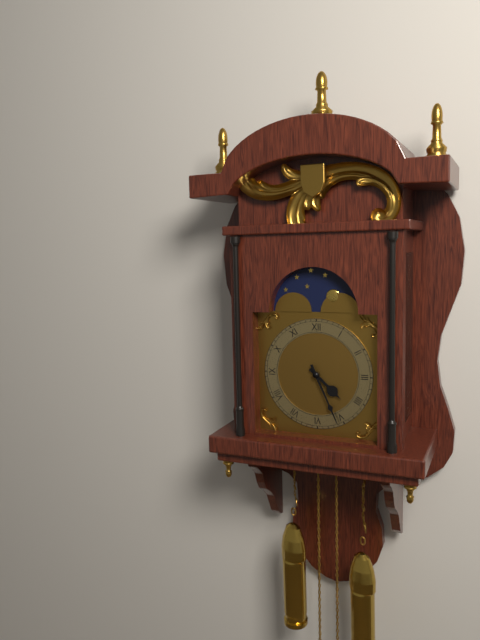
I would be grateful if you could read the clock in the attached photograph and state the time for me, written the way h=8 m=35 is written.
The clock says h=4 m=26
